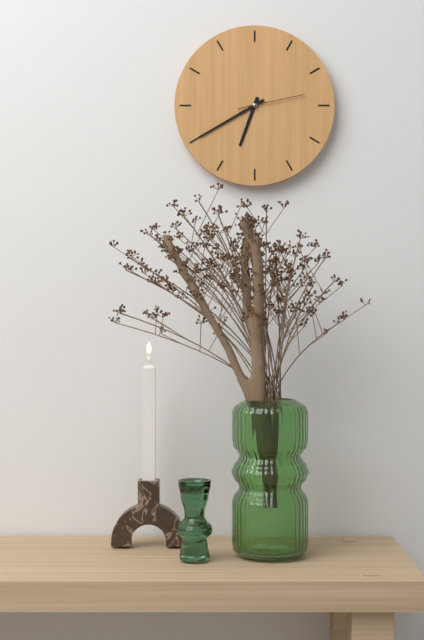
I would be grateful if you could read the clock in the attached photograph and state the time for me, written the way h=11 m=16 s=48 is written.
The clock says h=6 m=40 s=13
